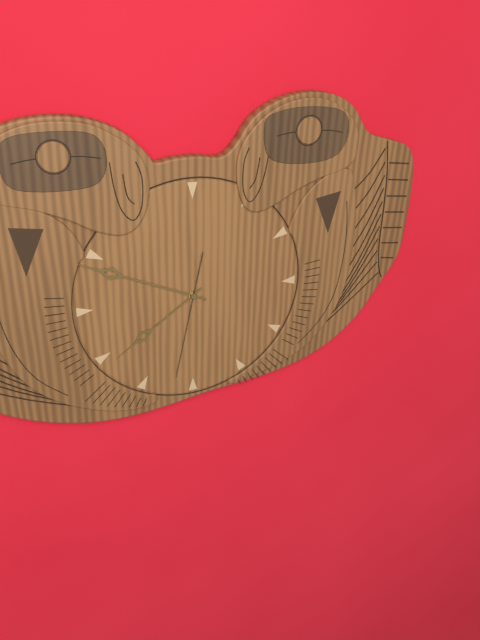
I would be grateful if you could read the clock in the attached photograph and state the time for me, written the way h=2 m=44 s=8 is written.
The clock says h=7 m=49 s=32
